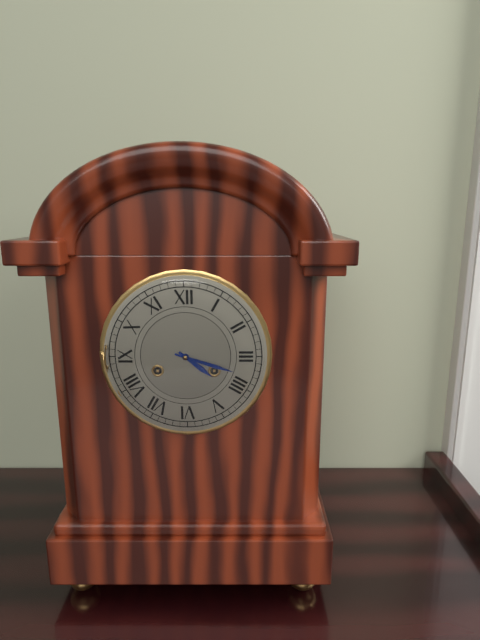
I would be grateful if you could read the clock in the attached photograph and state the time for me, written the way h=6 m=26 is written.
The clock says h=4 m=18
